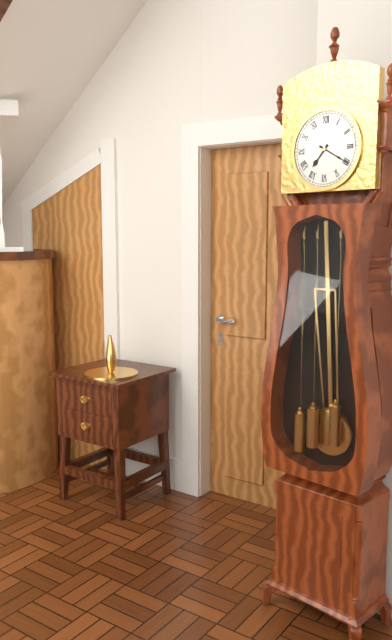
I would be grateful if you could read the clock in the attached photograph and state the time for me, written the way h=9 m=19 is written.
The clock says h=7 m=20
